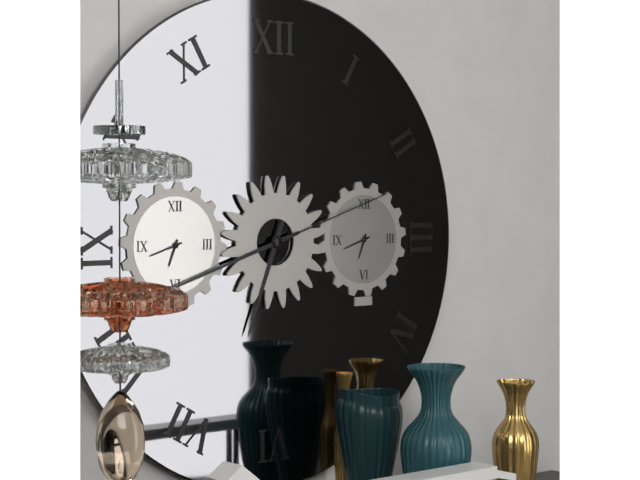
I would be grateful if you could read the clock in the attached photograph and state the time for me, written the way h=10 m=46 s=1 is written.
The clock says h=6 m=42 s=12
